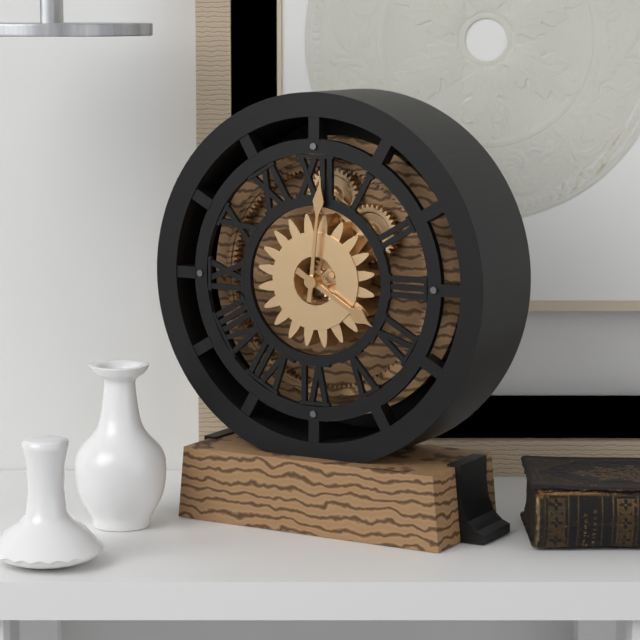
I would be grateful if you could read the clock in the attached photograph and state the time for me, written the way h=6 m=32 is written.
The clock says h=4 m=1
